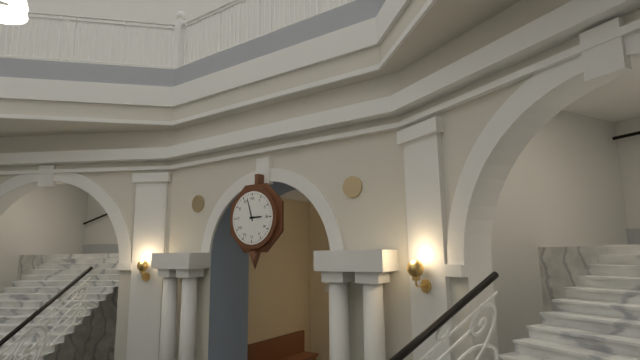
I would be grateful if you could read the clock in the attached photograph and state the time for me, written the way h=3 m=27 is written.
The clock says h=2 m=57
